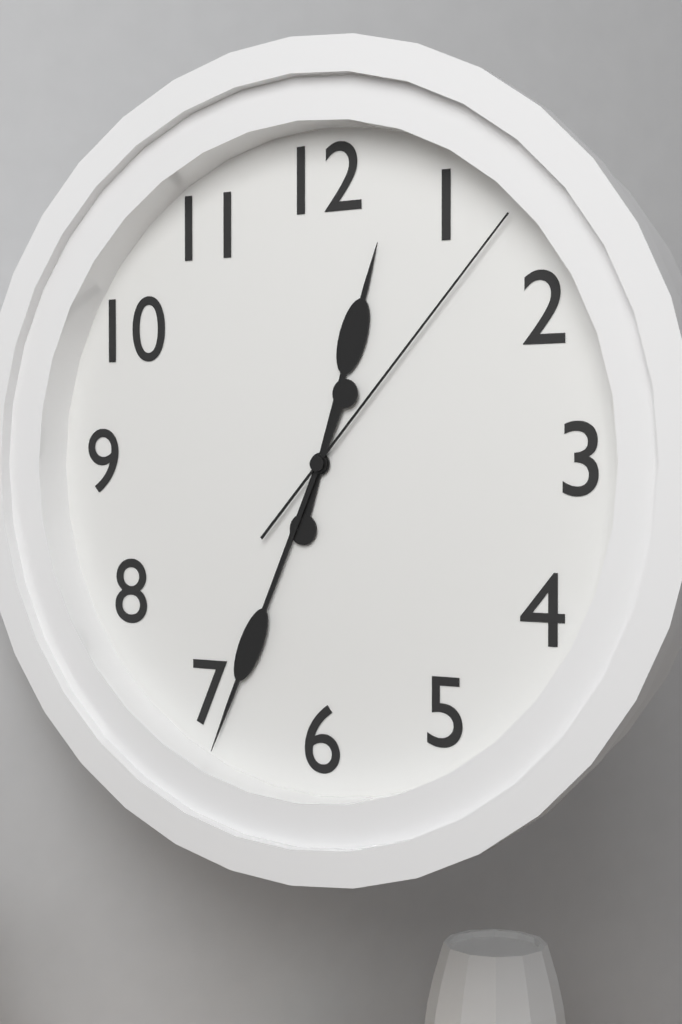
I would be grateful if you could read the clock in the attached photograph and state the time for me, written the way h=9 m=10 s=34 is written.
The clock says h=12 m=34 s=7
